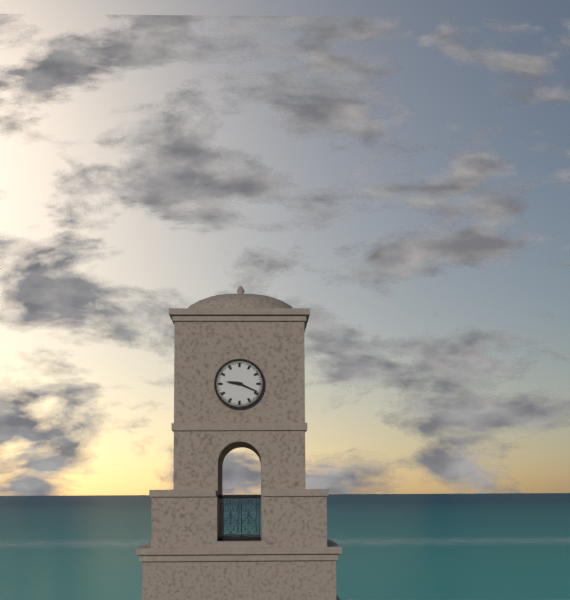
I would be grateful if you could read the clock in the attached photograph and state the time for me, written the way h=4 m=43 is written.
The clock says h=9 m=19
